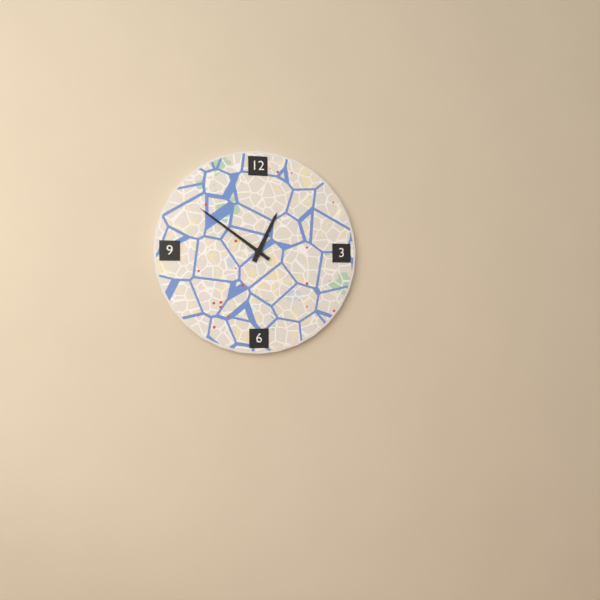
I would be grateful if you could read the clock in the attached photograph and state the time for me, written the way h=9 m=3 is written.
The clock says h=12 m=51
